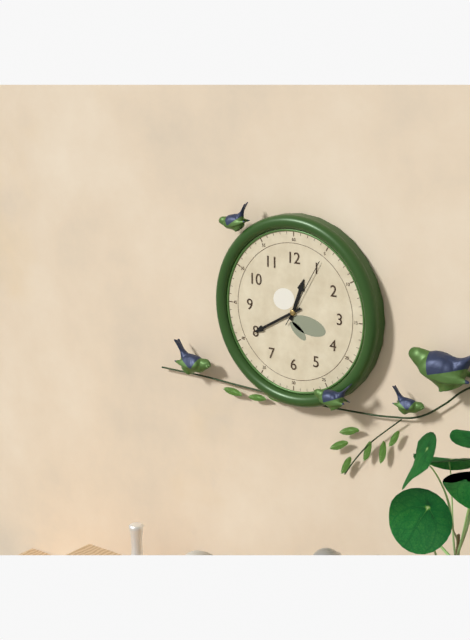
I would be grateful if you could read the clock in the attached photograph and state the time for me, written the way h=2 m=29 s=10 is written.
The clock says h=12 m=40 s=5
